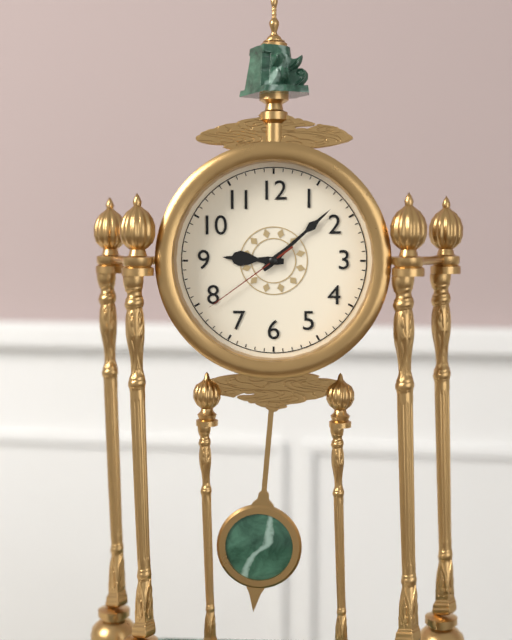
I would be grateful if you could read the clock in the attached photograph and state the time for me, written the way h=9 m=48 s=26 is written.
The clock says h=9 m=8 s=39
